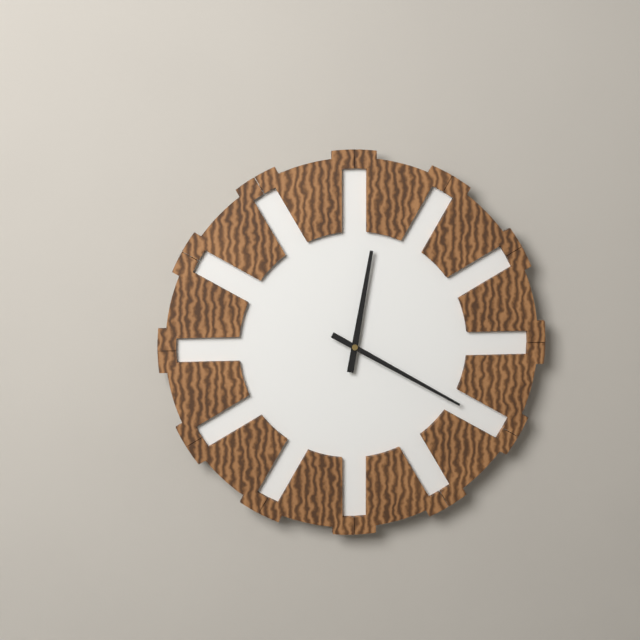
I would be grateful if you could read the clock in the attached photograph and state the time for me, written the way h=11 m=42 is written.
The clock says h=12 m=20
